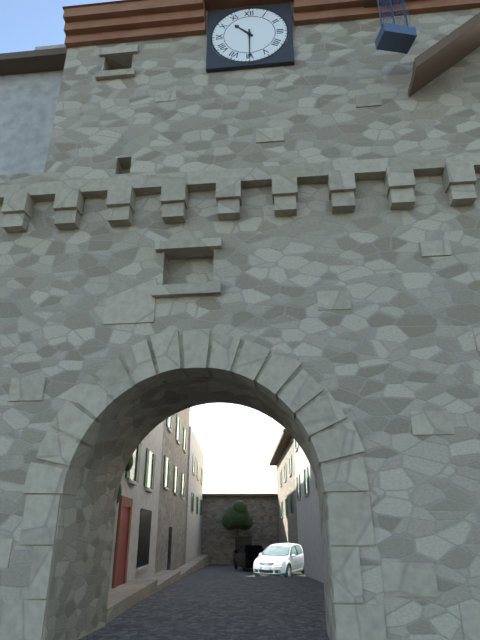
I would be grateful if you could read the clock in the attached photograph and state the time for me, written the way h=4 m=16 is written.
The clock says h=10 m=30
